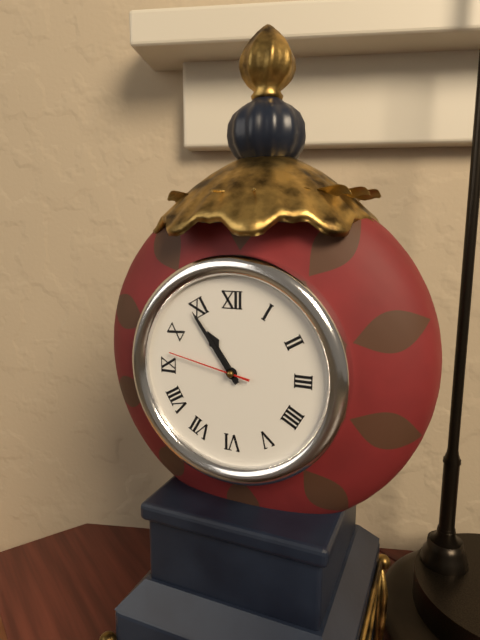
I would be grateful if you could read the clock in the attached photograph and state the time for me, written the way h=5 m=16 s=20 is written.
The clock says h=10 m=54 s=47
